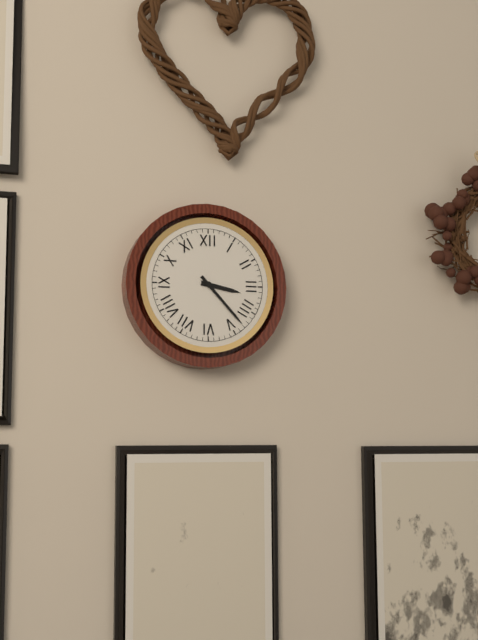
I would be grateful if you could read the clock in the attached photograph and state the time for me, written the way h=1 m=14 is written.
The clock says h=3 m=23
